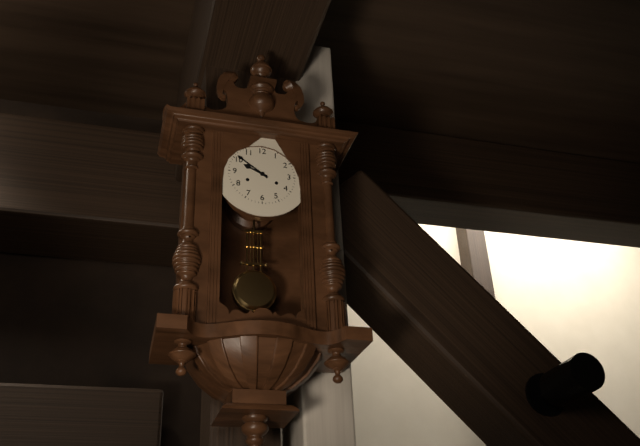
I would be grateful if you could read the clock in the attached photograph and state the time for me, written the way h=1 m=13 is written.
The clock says h=9 m=51
